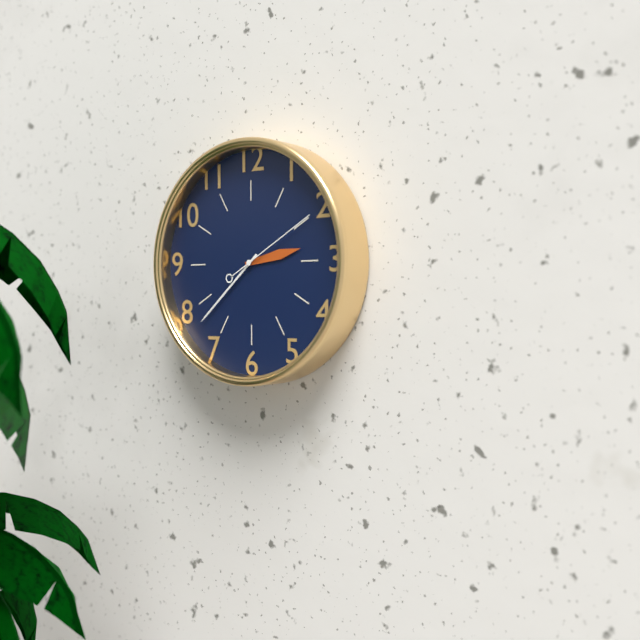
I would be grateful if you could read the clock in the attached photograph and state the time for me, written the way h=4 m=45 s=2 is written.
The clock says h=2 m=38 s=10
